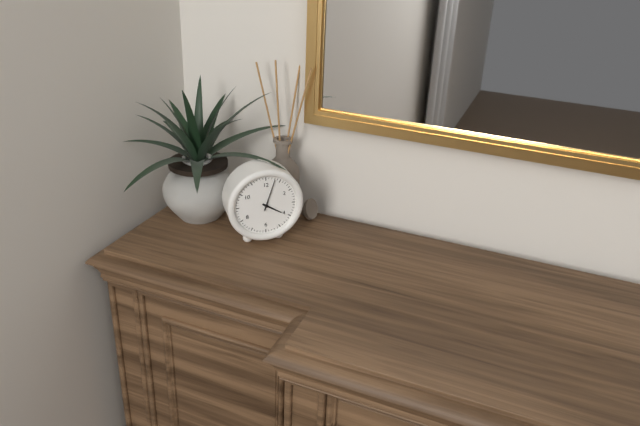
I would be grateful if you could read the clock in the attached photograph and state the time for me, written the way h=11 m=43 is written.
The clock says h=4 m=3
